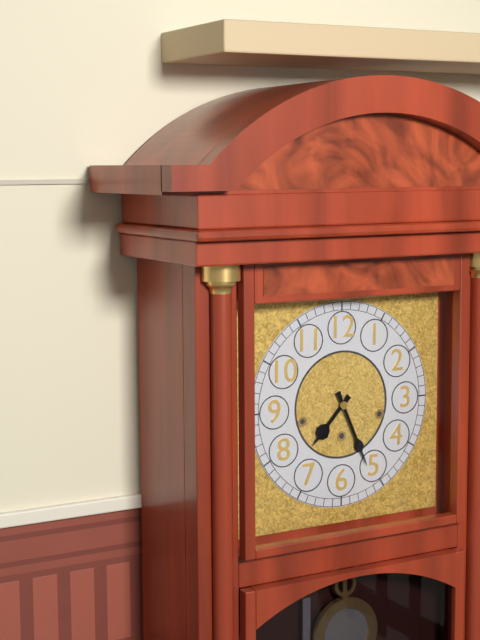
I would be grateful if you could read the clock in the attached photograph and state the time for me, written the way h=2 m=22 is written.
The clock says h=7 m=26
